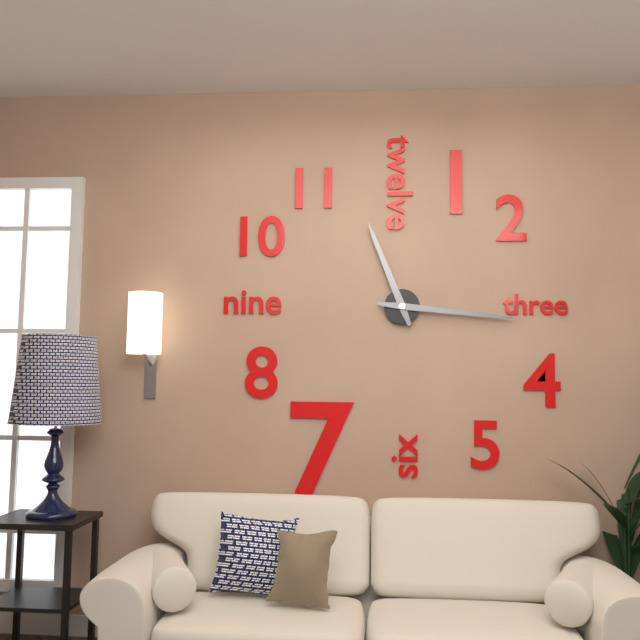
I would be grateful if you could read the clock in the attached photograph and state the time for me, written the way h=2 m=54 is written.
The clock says h=11 m=16
